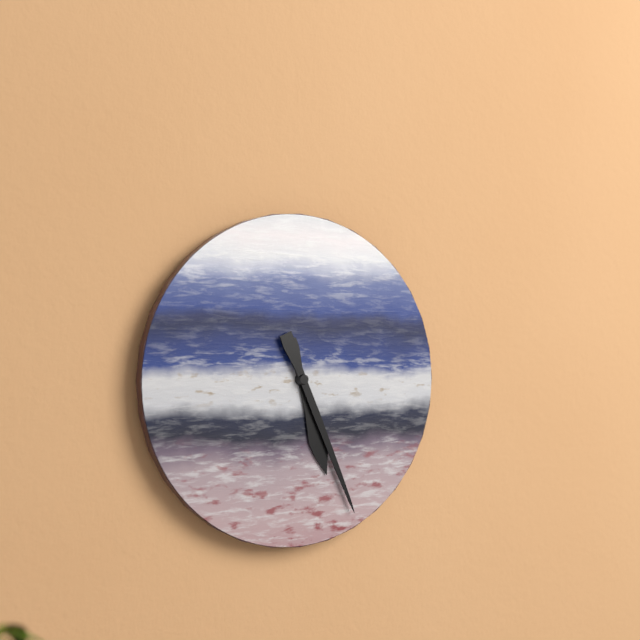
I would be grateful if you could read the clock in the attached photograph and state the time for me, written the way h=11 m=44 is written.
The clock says h=5 m=26
